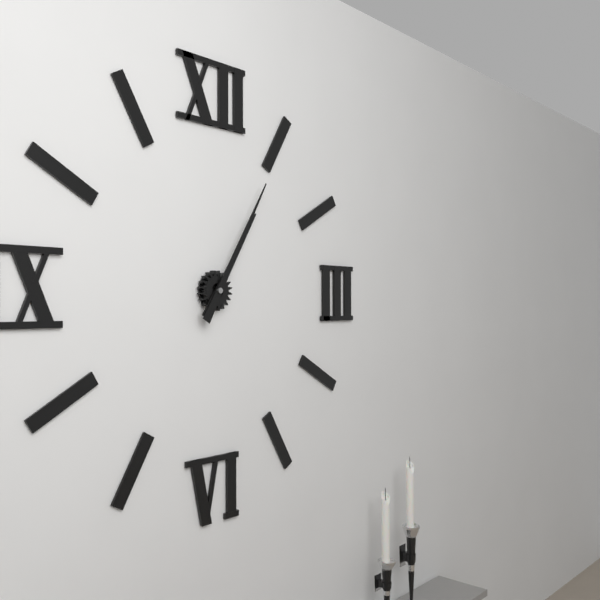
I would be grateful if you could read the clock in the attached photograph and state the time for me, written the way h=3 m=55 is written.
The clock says h=1 m=5
